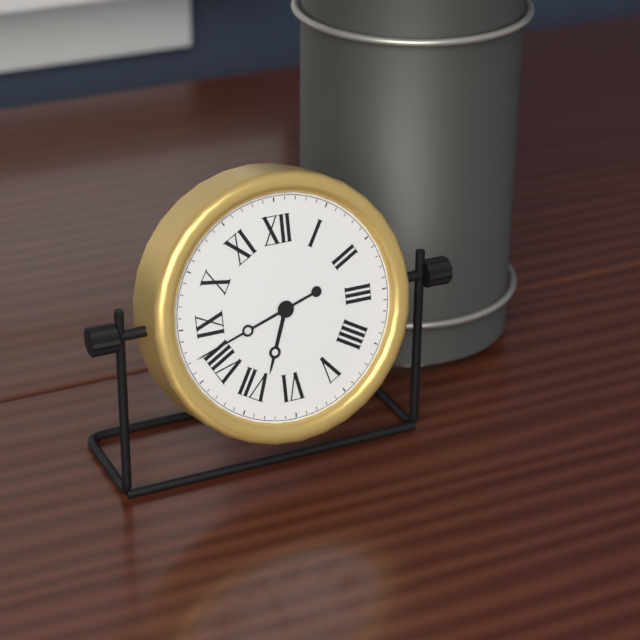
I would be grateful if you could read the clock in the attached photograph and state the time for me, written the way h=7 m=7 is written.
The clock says h=6 m=42
